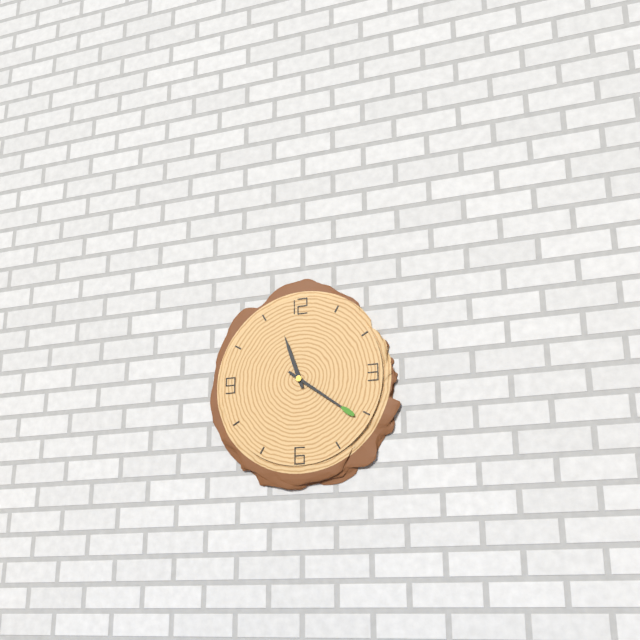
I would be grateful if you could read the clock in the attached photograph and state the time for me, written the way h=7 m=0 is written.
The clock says h=11 m=21
